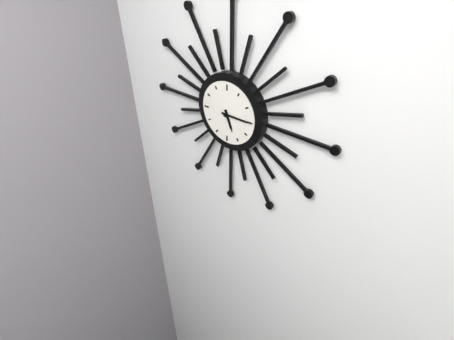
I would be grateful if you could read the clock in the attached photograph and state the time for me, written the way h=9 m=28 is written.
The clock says h=5 m=15
